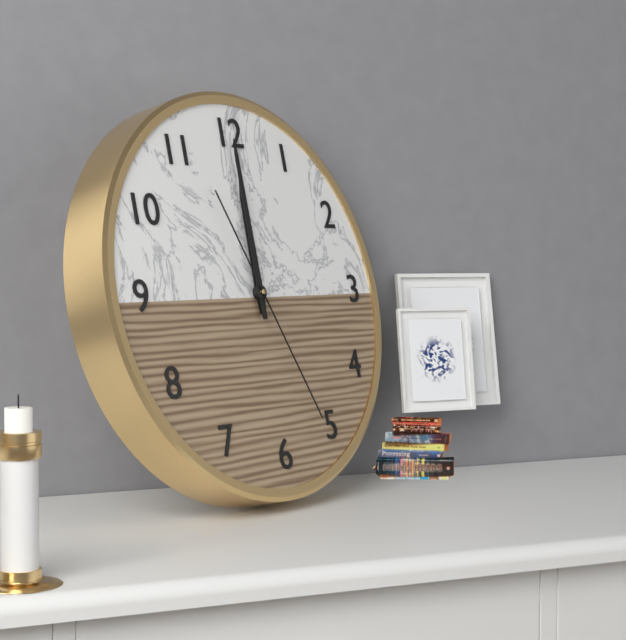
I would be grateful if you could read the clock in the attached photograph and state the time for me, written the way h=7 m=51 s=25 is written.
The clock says h=12 m=0 s=26
